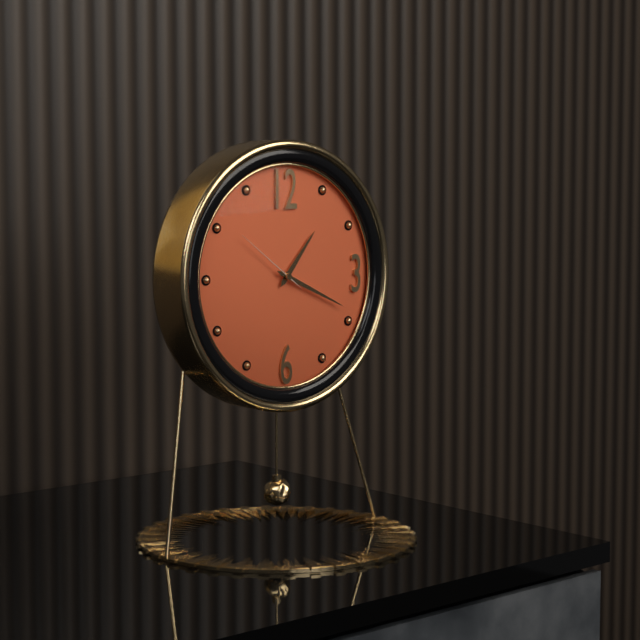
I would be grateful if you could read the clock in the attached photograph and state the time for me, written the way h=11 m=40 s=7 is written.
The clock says h=1 m=19 s=51
